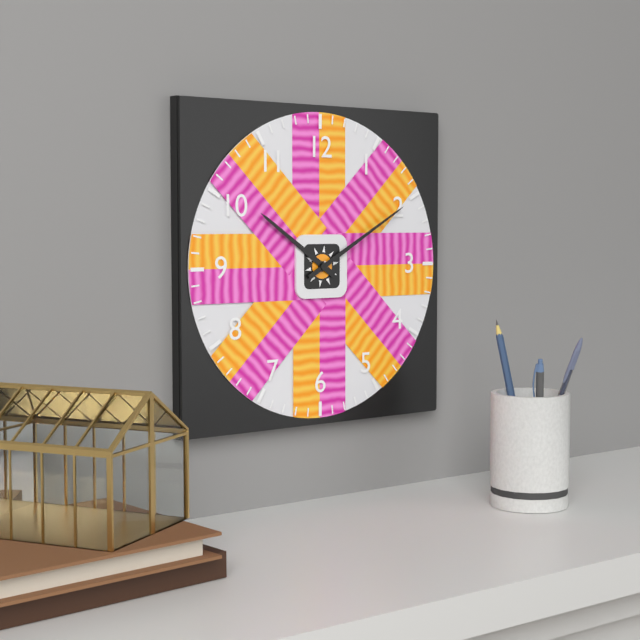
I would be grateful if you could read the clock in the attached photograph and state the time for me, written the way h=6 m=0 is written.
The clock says h=10 m=10
